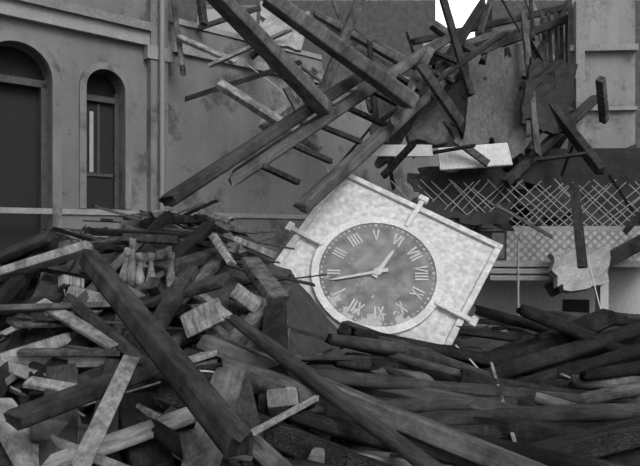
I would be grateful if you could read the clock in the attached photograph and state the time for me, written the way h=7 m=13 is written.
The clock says h=6 m=8
